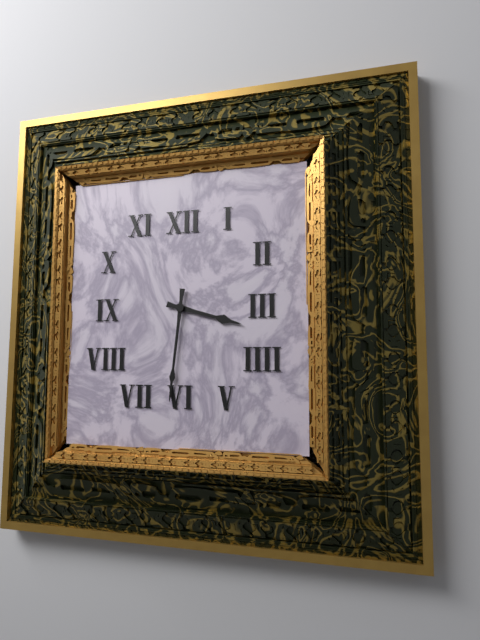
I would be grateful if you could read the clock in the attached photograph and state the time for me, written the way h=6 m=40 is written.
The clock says h=3 m=31
